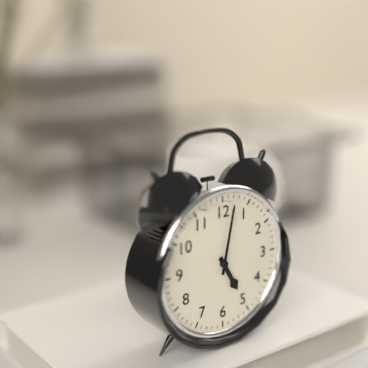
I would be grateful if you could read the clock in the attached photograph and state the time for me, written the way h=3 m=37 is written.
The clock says h=5 m=2
